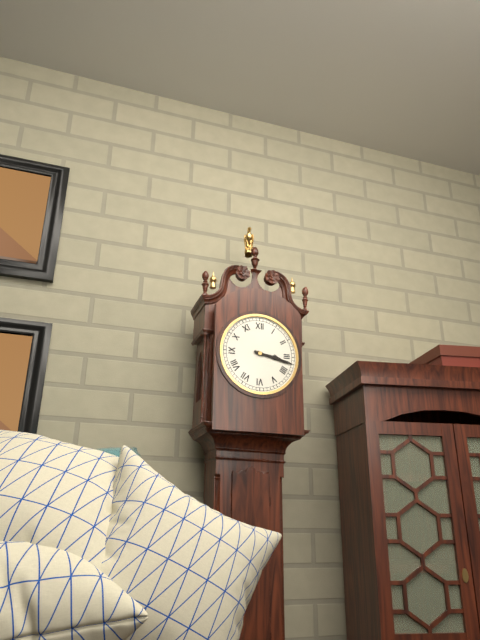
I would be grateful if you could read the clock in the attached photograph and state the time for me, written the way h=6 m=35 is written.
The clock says h=3 m=17
